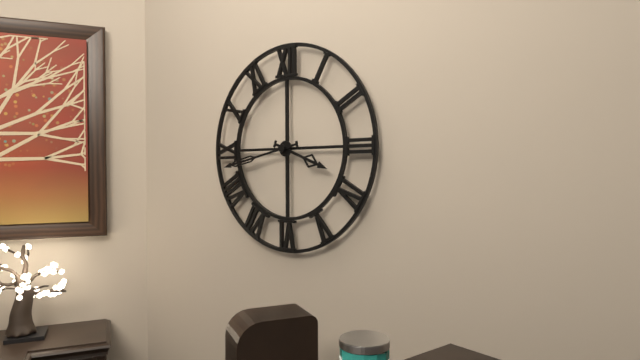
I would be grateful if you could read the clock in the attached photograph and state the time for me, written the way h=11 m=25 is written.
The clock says h=3 m=43
